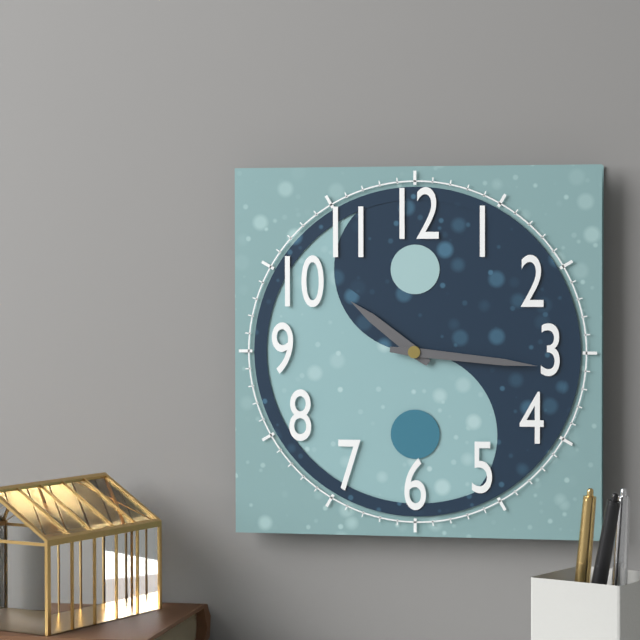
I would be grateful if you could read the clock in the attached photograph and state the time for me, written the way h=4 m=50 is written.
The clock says h=10 m=16
